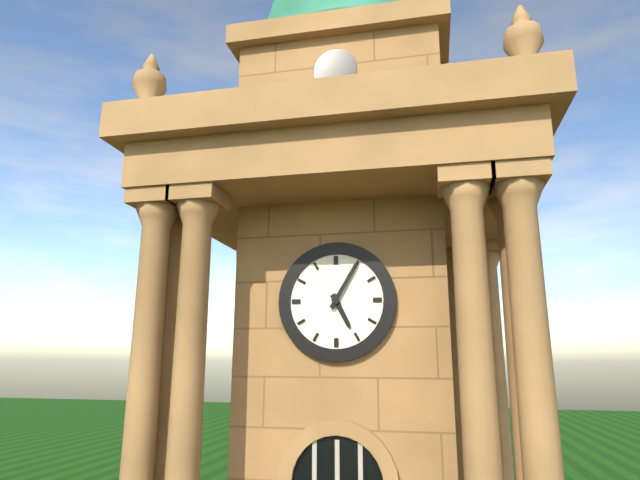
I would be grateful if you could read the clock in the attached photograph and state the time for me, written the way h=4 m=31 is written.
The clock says h=5 m=5
